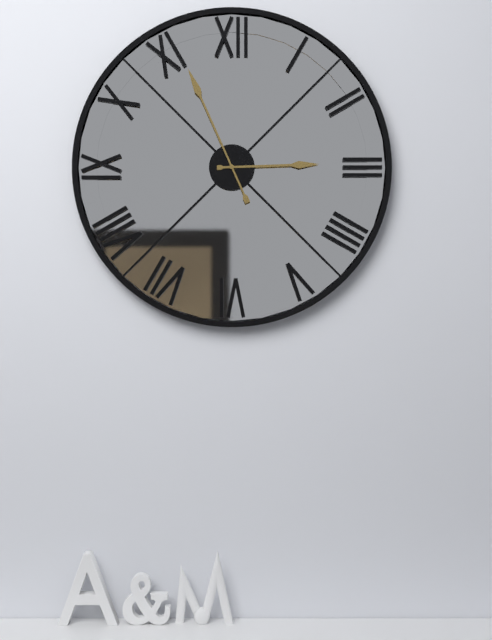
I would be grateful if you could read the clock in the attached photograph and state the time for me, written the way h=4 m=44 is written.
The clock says h=2 m=56
